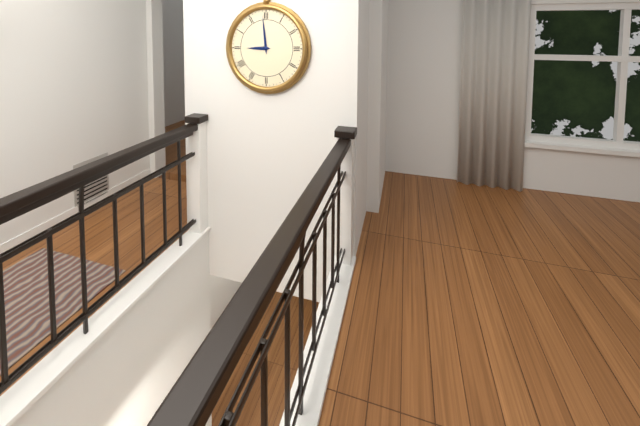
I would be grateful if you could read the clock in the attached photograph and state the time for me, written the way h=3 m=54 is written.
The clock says h=8 m=59
